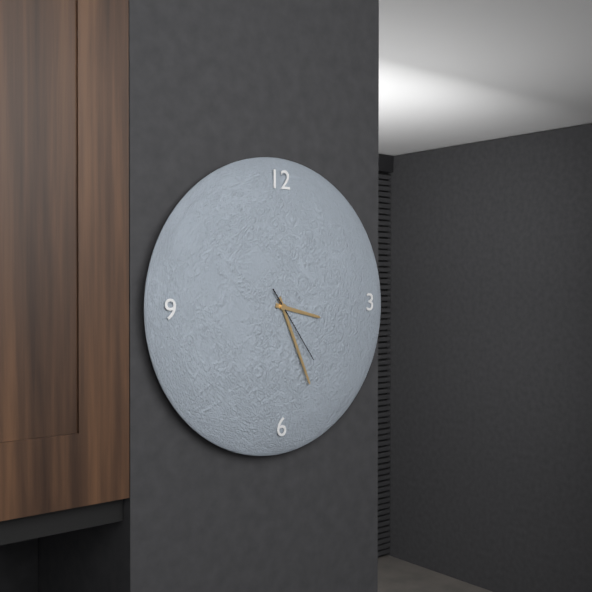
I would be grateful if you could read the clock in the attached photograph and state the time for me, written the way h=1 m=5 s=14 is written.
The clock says h=3 m=26 s=24
